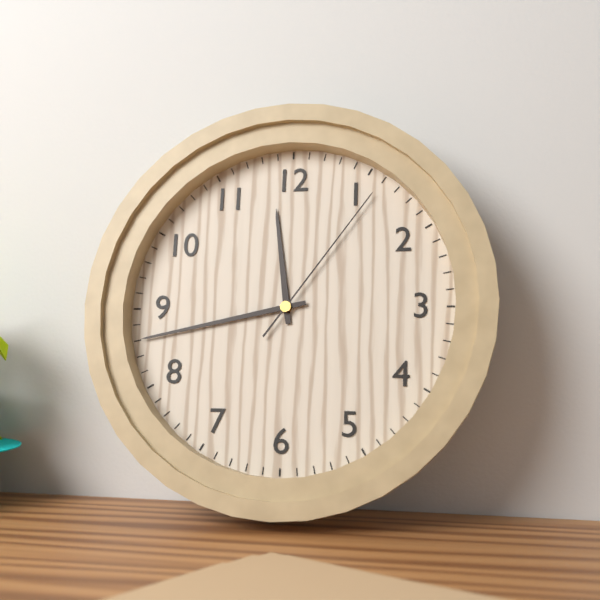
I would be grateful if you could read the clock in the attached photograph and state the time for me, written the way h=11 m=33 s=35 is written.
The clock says h=11 m=43 s=6
